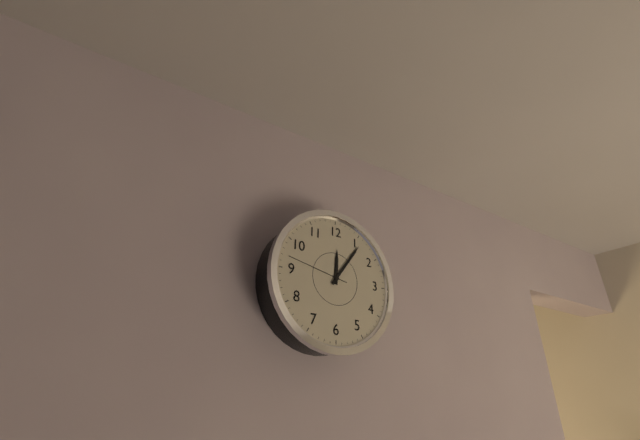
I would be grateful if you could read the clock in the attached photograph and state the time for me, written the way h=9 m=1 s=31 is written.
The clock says h=12 m=6 s=47
